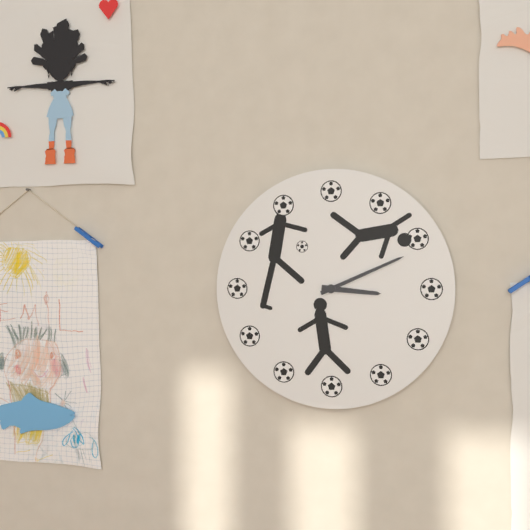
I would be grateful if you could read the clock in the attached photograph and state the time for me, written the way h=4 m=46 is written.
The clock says h=3 m=11
